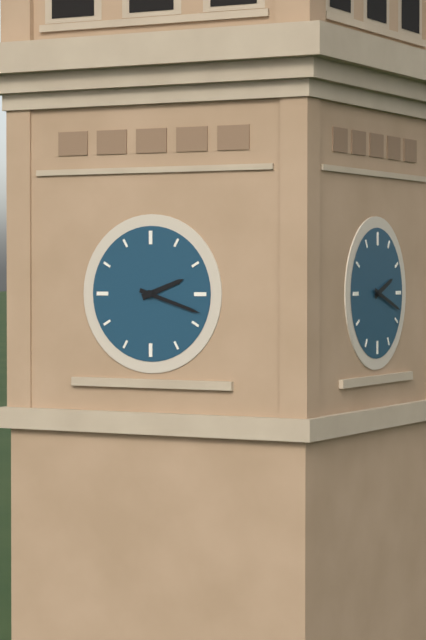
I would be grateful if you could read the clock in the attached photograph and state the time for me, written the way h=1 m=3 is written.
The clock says h=2 m=18
